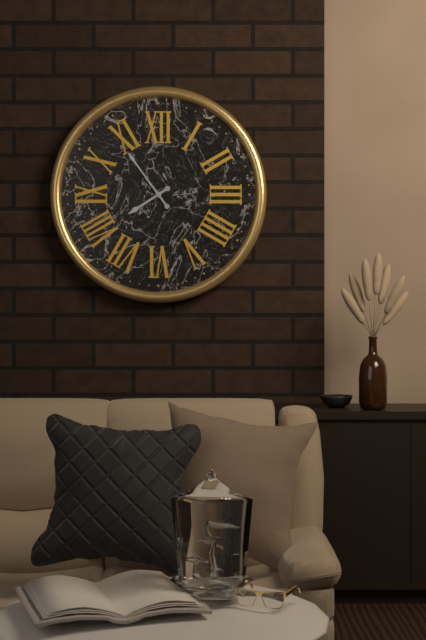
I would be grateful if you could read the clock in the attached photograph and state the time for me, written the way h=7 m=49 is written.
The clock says h=7 m=54
